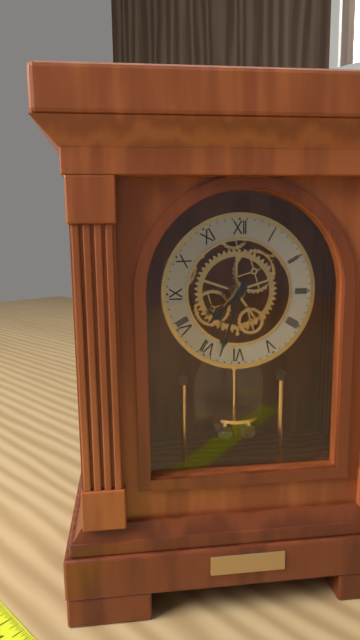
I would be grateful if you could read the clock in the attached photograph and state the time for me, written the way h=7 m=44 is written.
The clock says h=7 m=33
